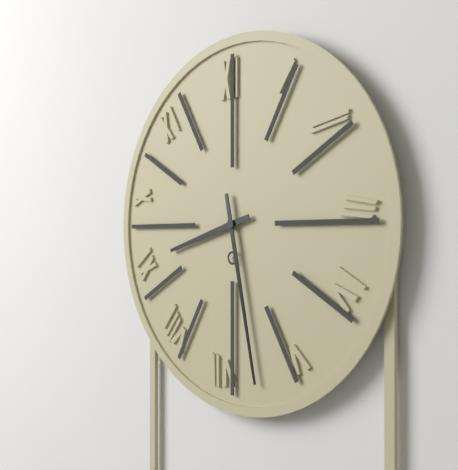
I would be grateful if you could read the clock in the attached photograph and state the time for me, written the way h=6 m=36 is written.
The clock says h=8 m=28
